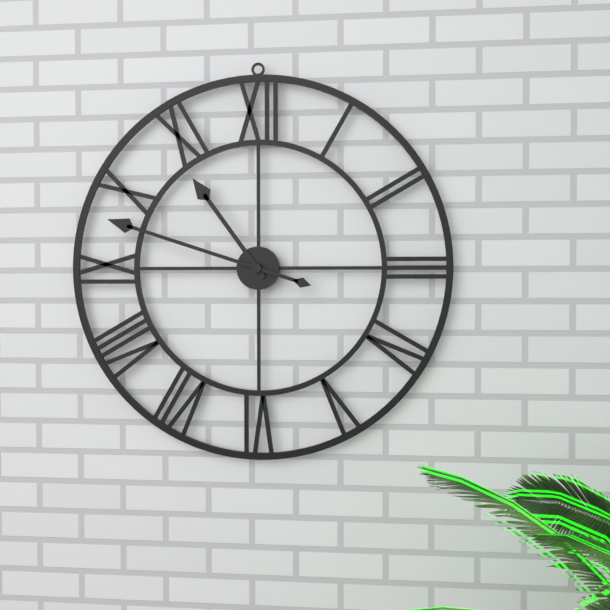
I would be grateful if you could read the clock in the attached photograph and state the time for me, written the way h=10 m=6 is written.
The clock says h=10 m=48
